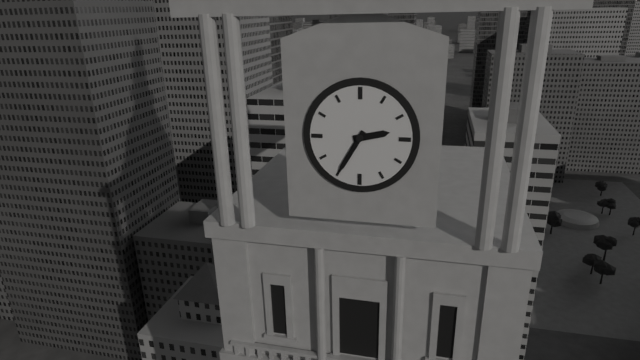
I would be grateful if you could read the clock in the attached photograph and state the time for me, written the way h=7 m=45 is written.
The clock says h=2 m=35
